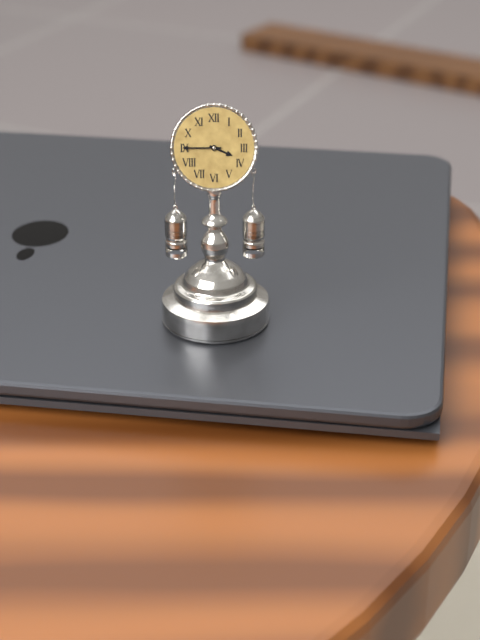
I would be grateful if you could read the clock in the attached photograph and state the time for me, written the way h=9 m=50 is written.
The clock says h=3 m=45
